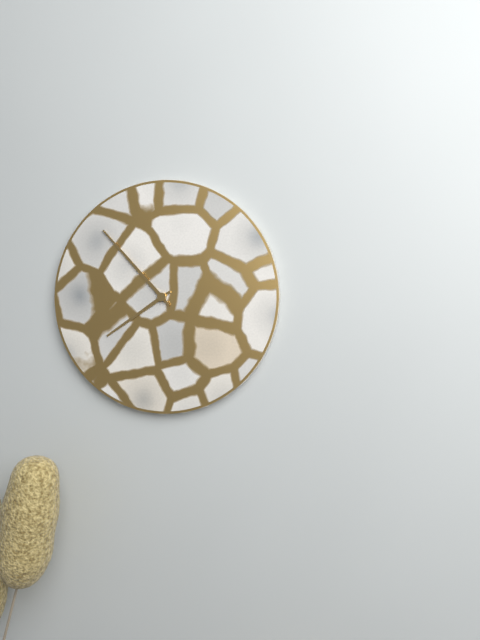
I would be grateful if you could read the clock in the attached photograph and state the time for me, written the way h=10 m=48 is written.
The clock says h=7 m=53
